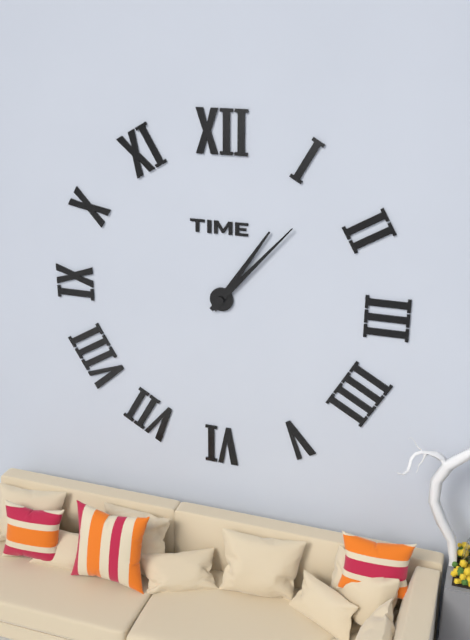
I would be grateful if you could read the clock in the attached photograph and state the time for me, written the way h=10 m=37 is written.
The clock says h=1 m=7
